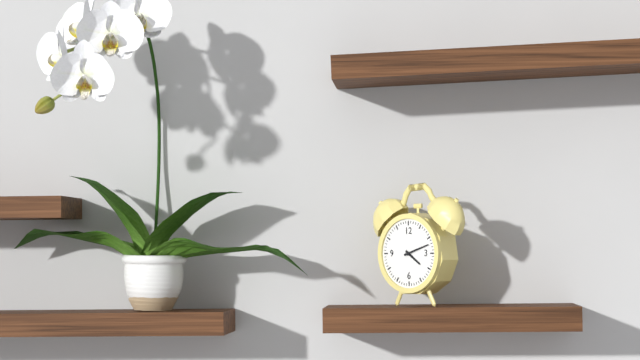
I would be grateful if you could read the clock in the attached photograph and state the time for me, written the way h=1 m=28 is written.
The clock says h=4 m=12
